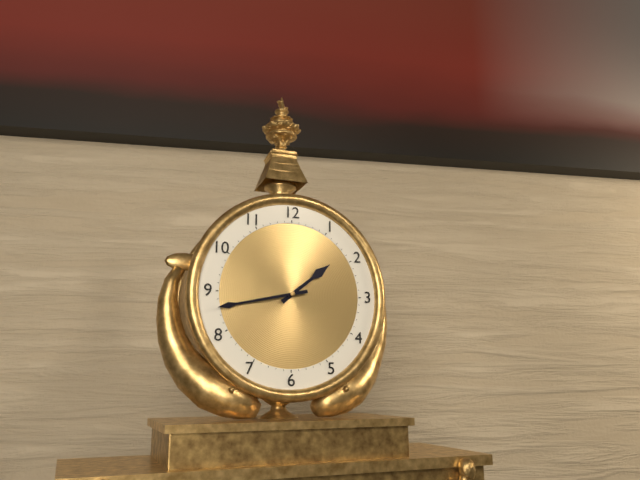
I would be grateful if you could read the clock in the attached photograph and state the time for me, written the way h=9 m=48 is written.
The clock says h=1 m=43
